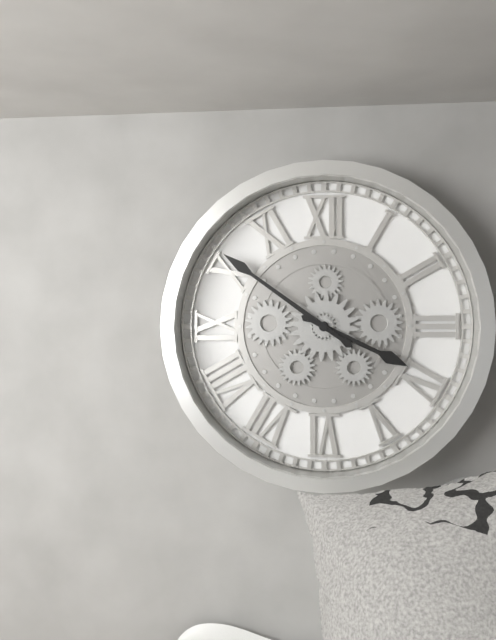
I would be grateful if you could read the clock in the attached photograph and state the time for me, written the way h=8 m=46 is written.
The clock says h=3 m=51
